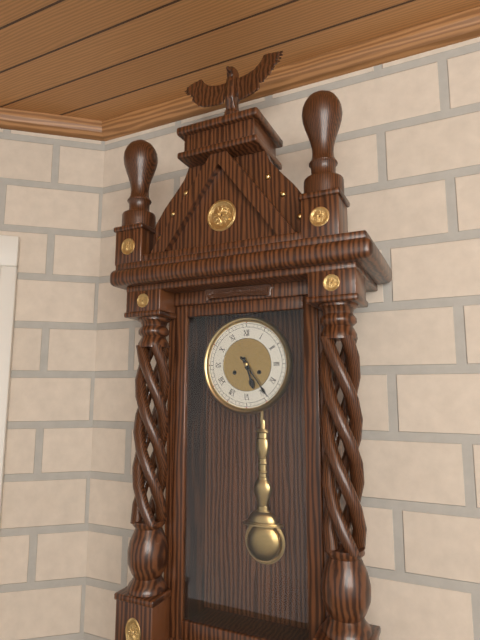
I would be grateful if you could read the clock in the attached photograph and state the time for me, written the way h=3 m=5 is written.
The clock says h=5 m=24
